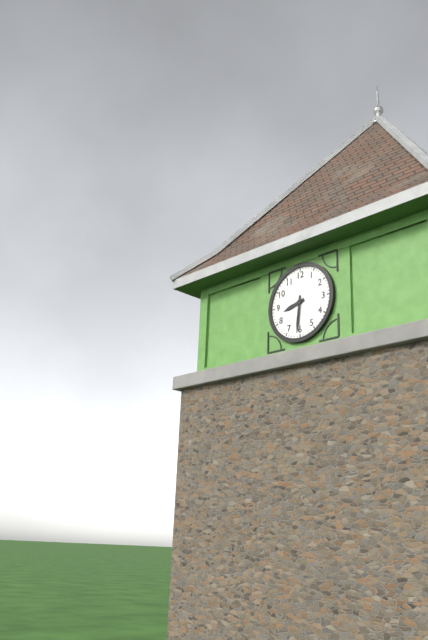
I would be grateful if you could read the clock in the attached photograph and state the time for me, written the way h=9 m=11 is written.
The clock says h=8 m=31
